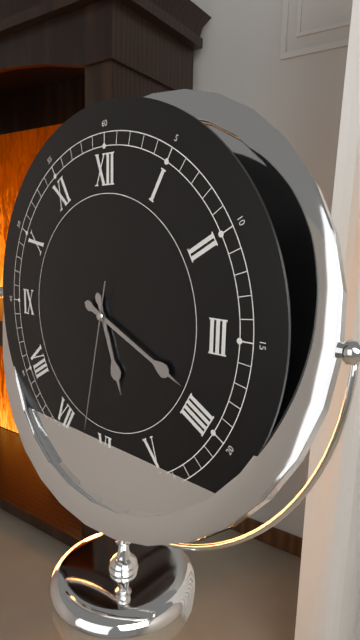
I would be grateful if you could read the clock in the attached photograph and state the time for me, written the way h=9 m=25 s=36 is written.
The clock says h=5 m=19 s=32
